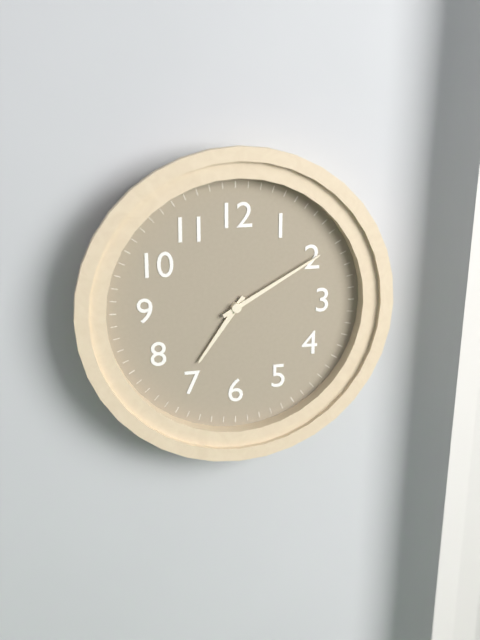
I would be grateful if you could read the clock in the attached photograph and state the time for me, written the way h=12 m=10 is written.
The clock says h=7 m=10
